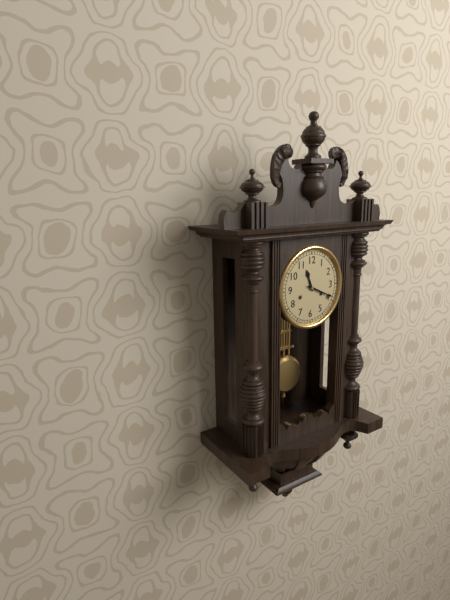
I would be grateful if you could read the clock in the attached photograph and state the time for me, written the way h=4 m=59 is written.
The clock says h=11 m=19
